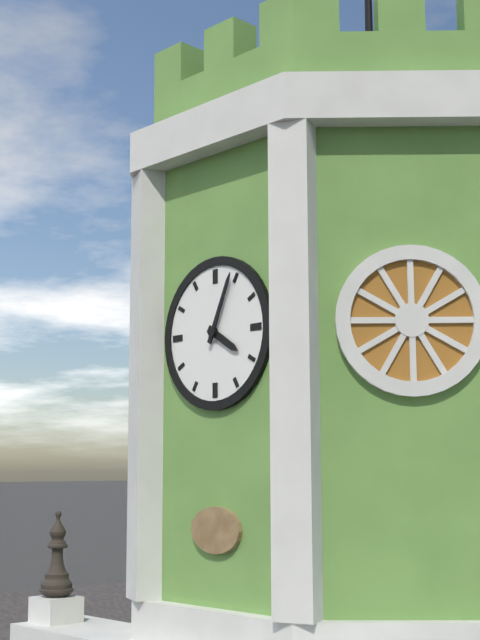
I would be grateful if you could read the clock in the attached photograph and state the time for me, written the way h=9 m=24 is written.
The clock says h=4 m=4
